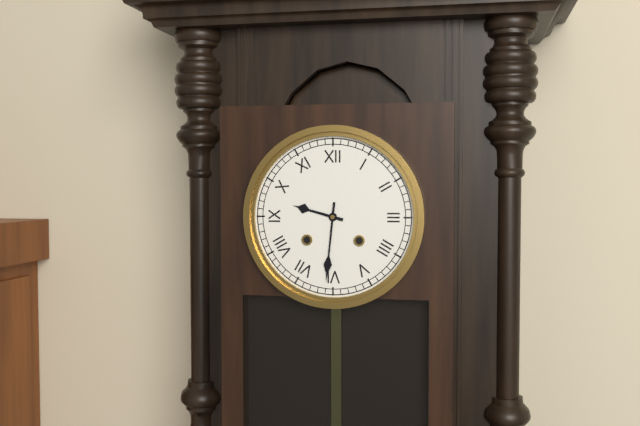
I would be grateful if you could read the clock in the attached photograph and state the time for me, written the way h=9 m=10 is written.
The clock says h=9 m=31
